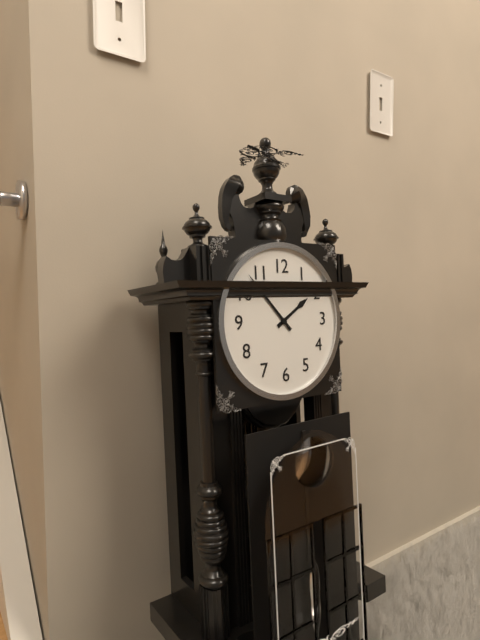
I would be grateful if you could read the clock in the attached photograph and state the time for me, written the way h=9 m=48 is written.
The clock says h=1 m=53
